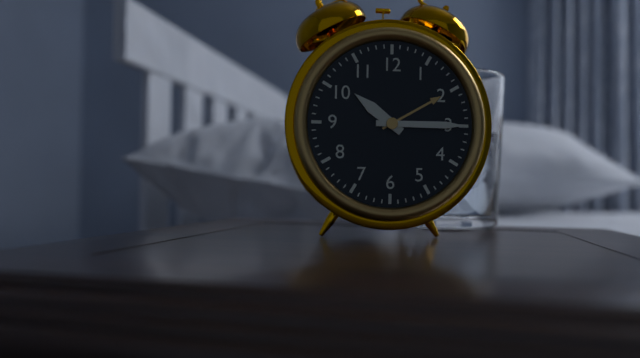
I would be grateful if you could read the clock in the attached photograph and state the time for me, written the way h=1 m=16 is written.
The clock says h=10 m=15
